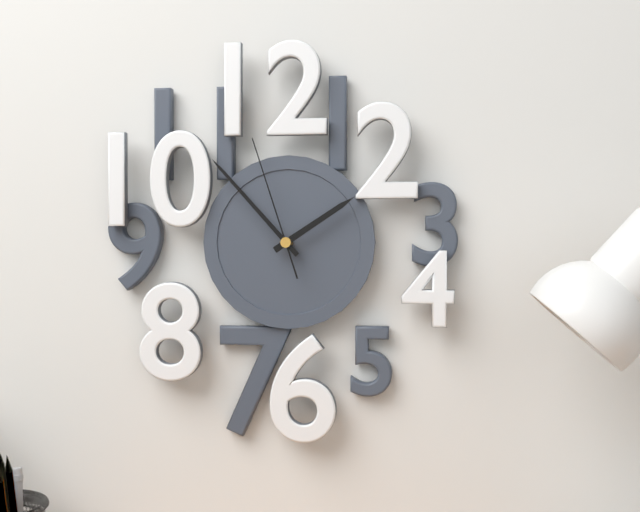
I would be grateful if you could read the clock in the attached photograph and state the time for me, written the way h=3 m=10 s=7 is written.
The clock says h=1 m=53 s=57
